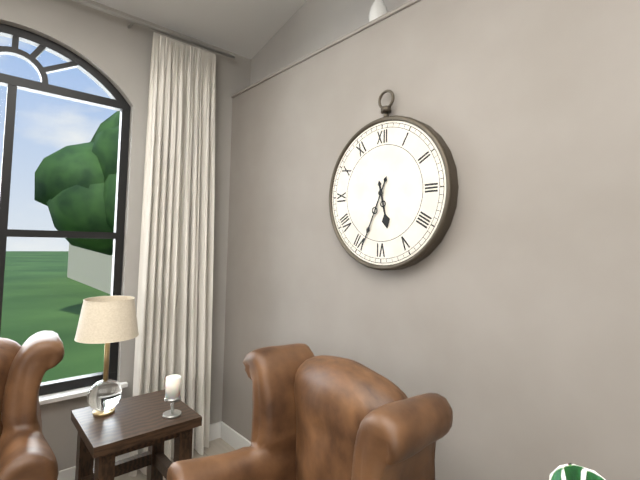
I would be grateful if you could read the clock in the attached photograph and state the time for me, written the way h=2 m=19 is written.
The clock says h=5 m=34
